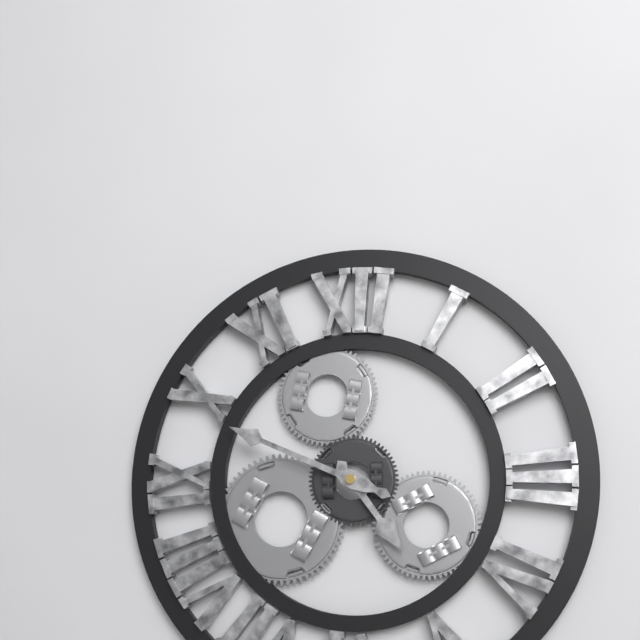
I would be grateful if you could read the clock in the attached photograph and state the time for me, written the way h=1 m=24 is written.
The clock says h=4 m=49
